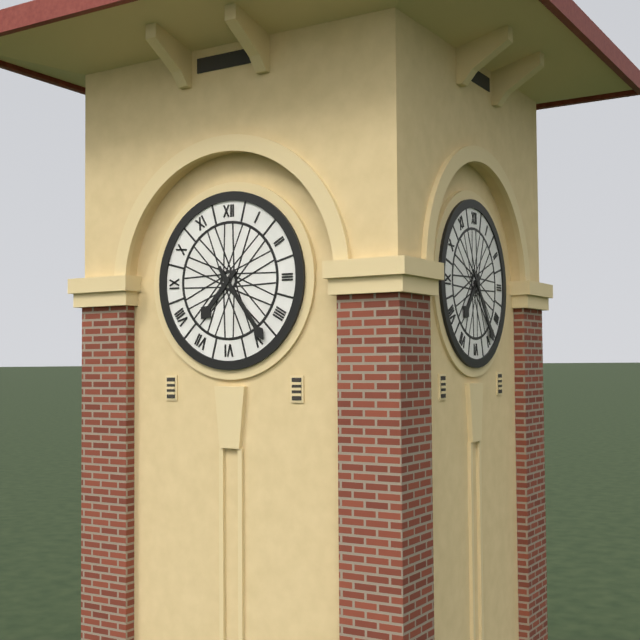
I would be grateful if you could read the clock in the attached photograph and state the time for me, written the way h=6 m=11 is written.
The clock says h=7 m=24
